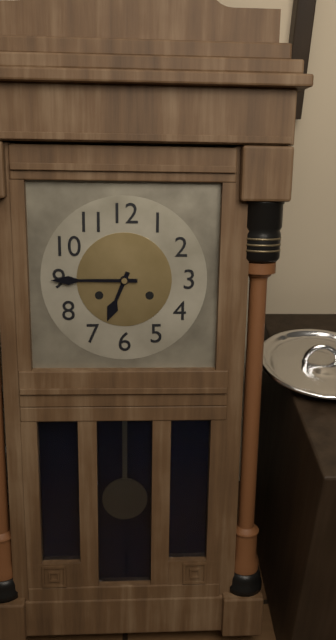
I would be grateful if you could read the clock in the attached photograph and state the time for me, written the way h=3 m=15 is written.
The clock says h=6 m=45
